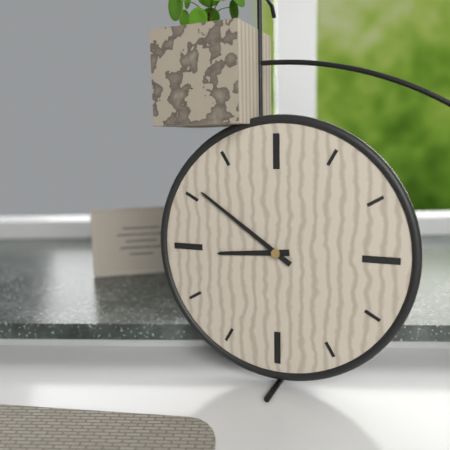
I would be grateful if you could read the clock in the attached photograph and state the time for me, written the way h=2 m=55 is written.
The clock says h=8 m=51
